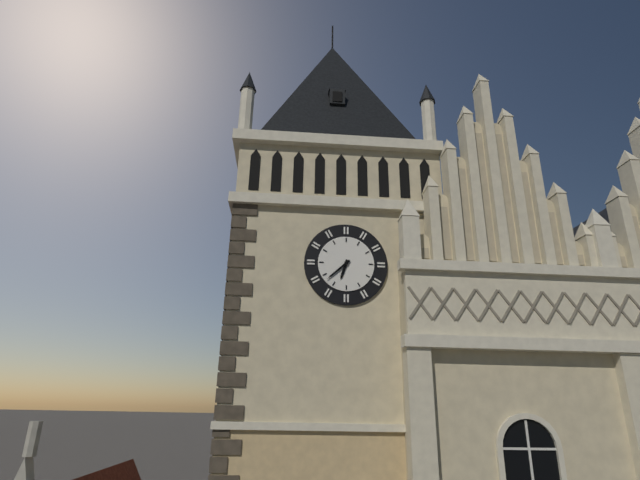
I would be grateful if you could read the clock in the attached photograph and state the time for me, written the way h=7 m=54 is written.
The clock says h=6 m=38
